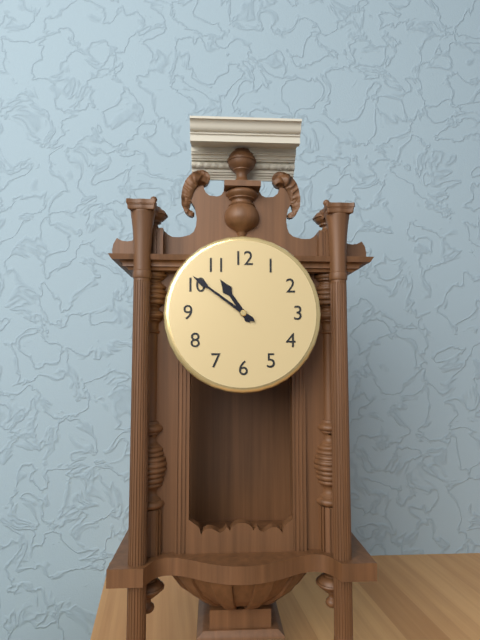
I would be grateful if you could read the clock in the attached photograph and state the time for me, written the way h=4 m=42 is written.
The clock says h=10 m=51
